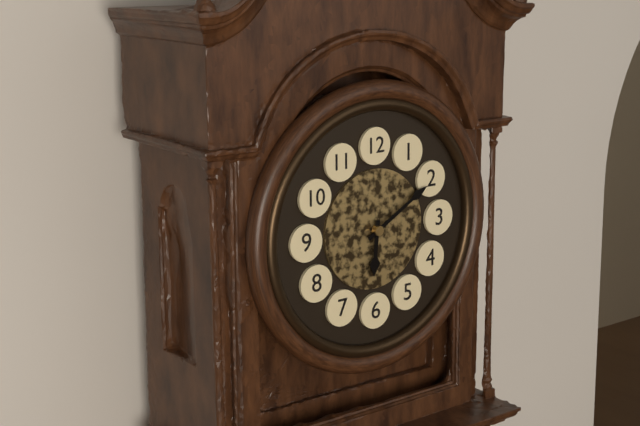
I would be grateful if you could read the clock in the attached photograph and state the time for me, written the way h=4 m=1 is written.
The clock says h=6 m=10
